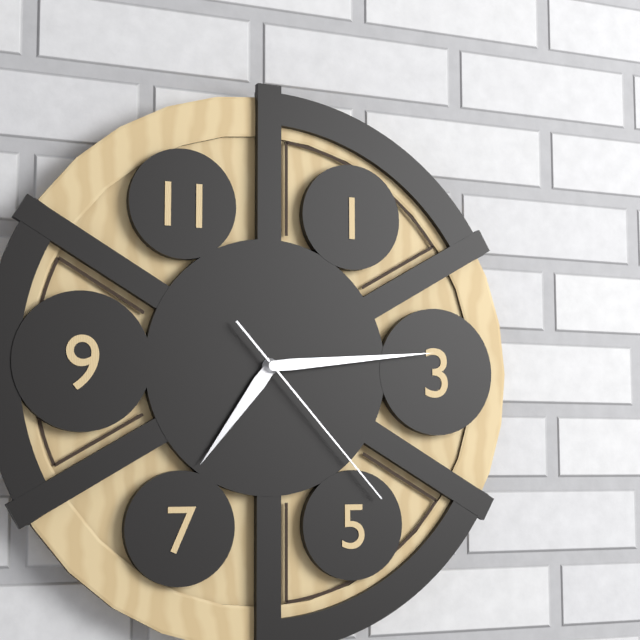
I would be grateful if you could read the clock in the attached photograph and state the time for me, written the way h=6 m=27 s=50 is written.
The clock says h=7 m=14 s=23
